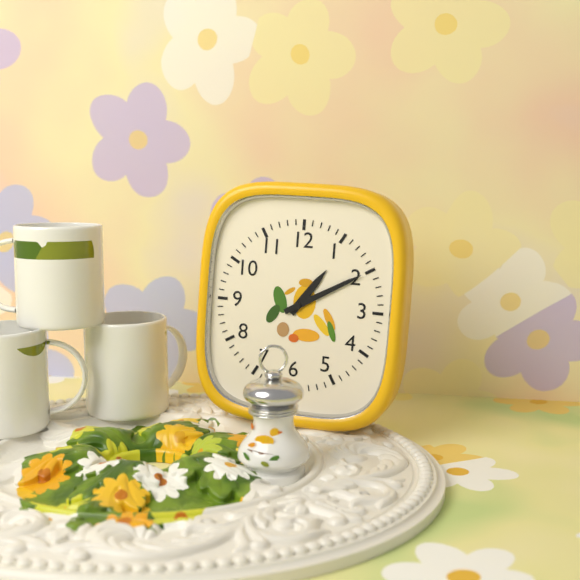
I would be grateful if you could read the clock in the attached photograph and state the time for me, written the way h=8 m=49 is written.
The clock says h=1 m=10
